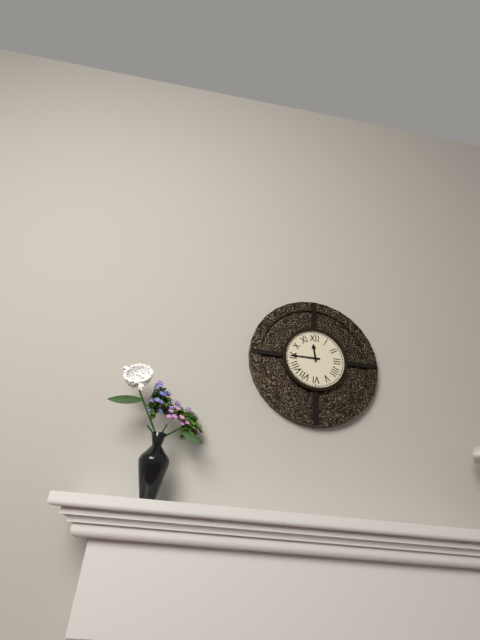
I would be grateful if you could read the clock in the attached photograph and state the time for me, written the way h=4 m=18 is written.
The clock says h=11 m=45
